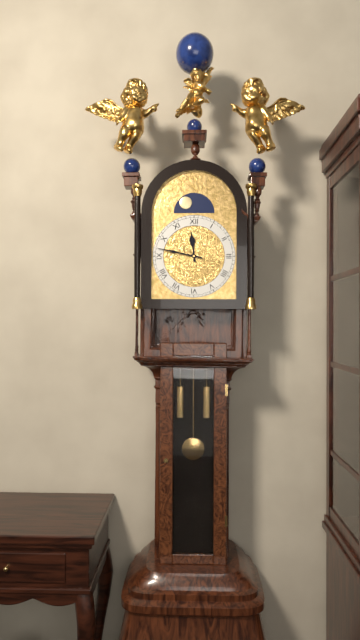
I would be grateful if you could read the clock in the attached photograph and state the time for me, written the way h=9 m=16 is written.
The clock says h=11 m=47
